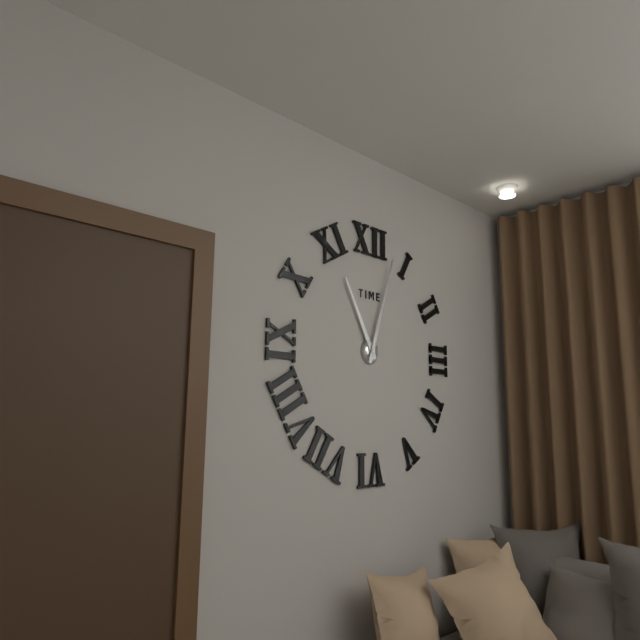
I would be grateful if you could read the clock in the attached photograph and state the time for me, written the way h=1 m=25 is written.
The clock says h=11 m=3
